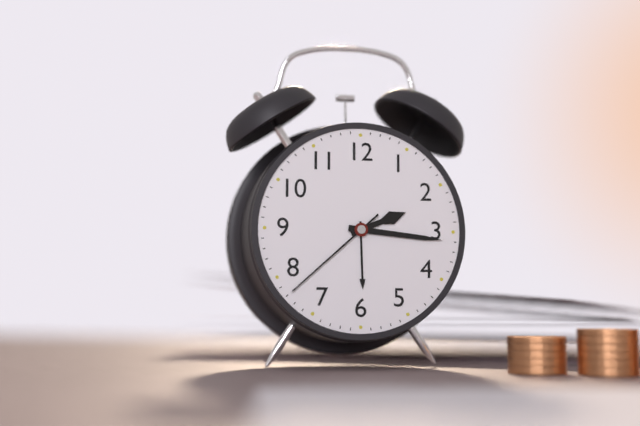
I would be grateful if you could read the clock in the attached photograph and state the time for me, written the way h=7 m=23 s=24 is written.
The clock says h=2 m=16 s=38
